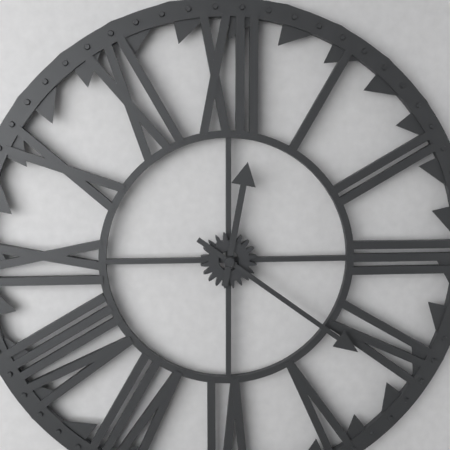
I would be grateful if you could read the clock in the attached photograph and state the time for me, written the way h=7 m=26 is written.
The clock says h=12 m=21
